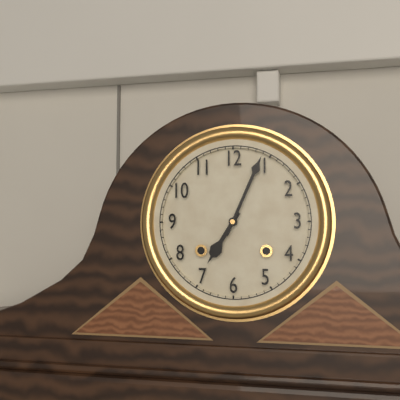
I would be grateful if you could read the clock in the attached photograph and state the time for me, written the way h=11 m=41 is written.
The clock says h=7 m=4
